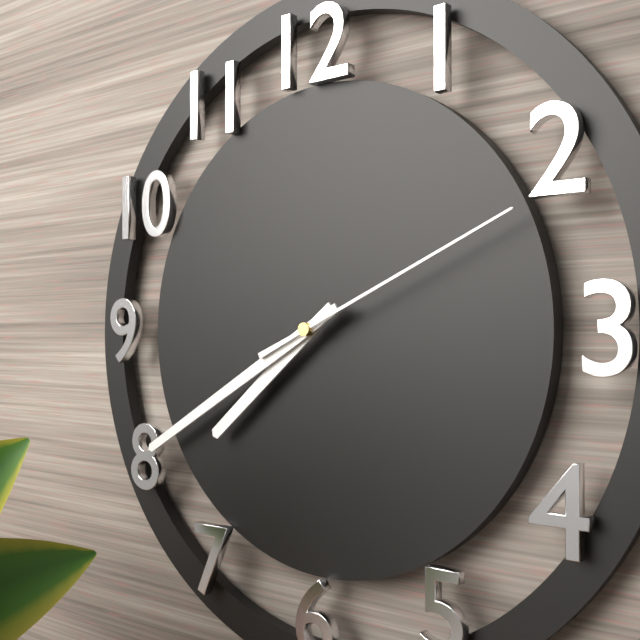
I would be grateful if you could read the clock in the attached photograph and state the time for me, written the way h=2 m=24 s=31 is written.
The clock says h=7 m=40 s=11
